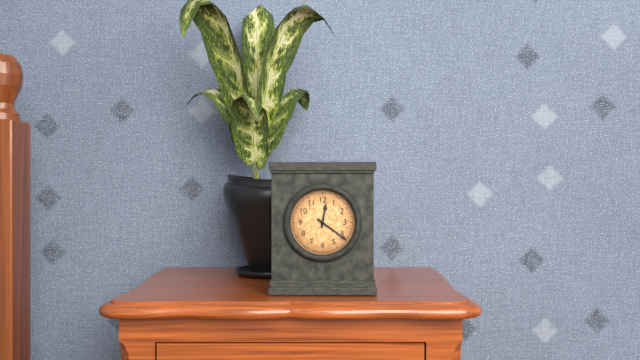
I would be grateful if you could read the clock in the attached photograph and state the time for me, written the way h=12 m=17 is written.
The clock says h=12 m=21
